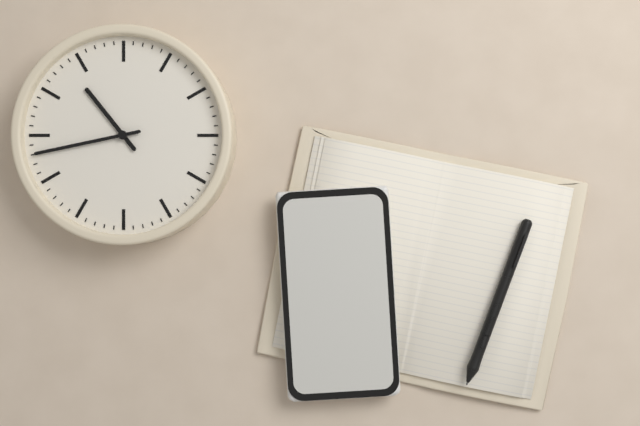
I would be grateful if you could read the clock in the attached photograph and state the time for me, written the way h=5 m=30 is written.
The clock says h=10 m=43
